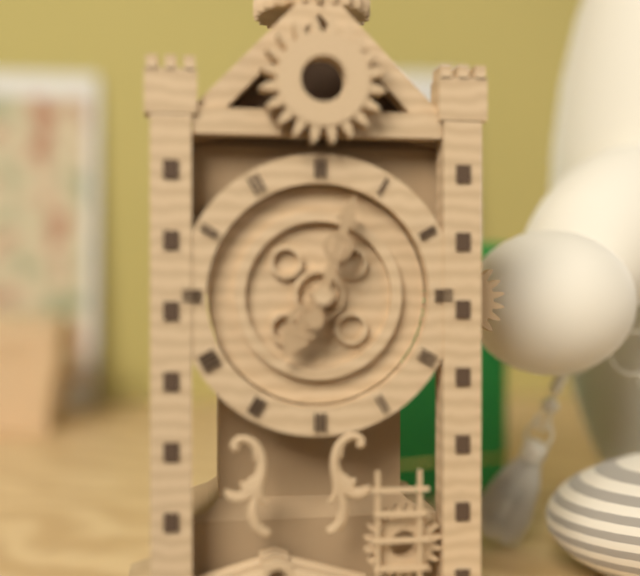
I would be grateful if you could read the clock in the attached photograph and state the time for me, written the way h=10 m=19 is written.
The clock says h=7 m=3
